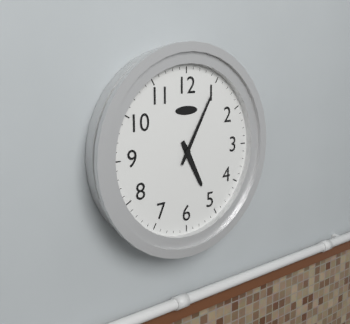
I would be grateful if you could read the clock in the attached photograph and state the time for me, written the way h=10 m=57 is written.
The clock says h=5 m=5
